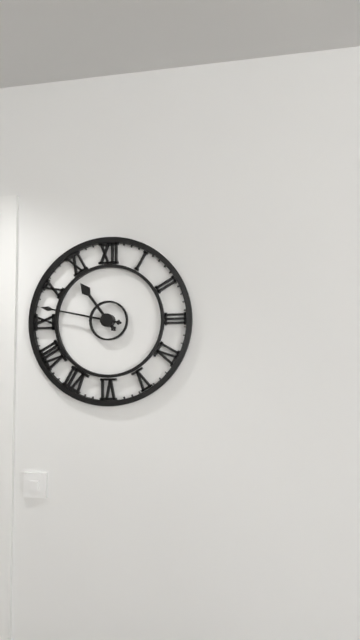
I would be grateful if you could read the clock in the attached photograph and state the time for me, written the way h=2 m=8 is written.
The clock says h=10 m=47
